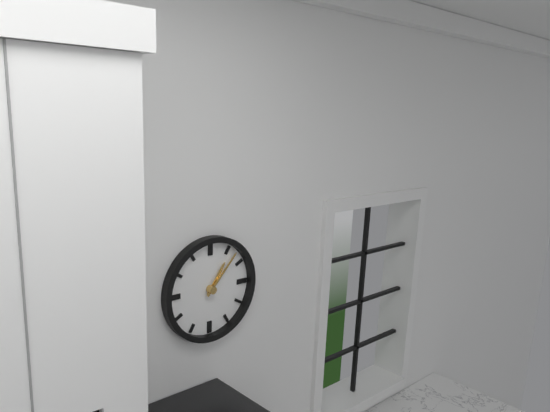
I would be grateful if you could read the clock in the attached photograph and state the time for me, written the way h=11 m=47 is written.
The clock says h=1 m=7
